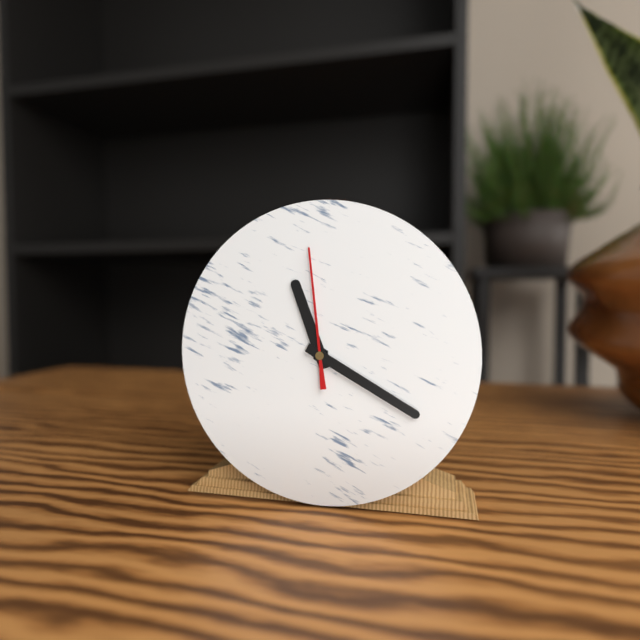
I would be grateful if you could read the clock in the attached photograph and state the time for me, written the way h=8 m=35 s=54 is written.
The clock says h=11 m=20 s=59
